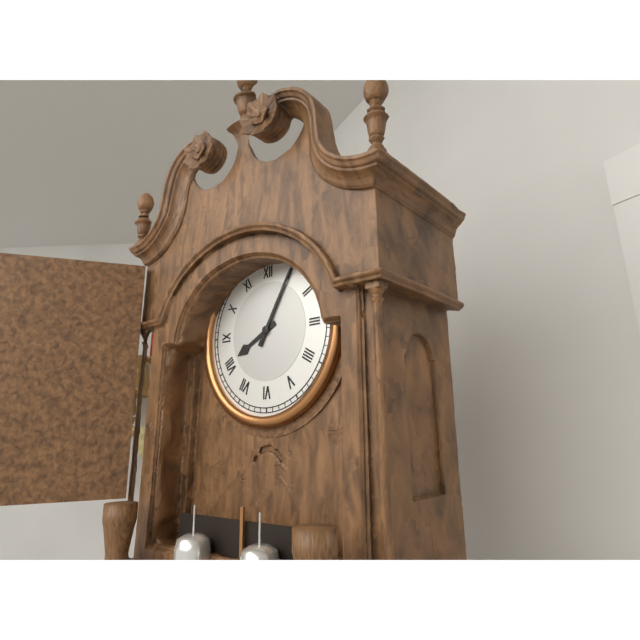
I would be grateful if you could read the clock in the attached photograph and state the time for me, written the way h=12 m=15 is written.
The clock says h=8 m=5
